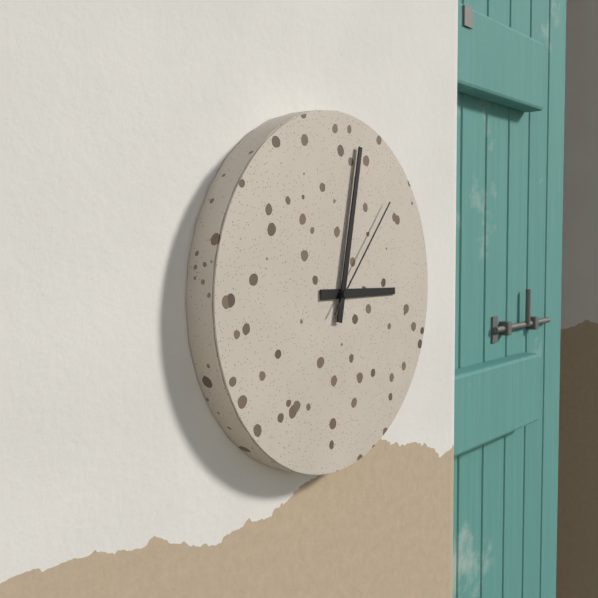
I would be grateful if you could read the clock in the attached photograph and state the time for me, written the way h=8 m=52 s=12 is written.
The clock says h=3 m=2 s=7
